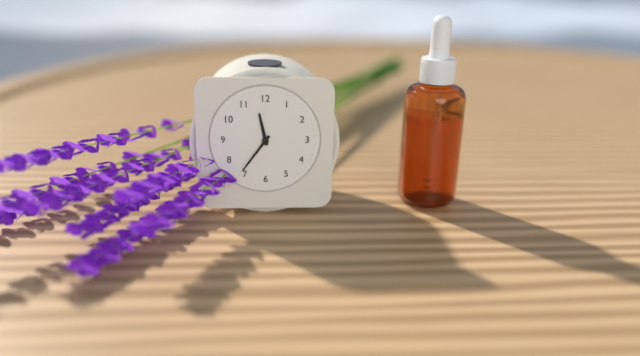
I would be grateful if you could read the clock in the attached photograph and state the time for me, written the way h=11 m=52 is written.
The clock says h=11 m=36
